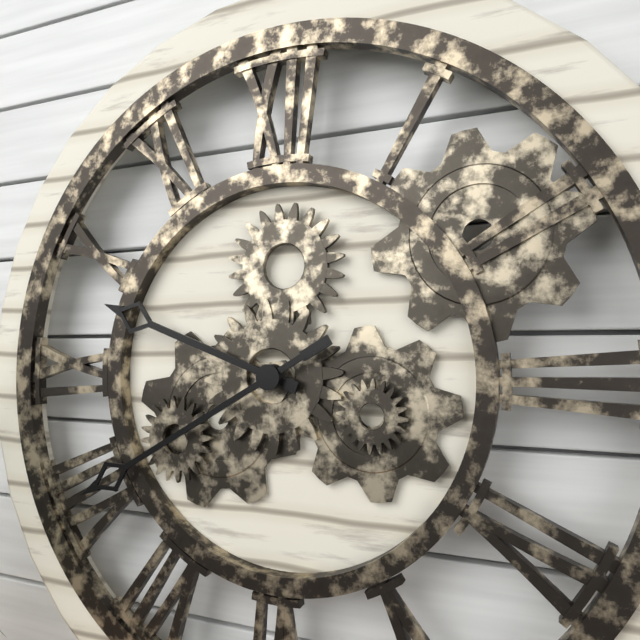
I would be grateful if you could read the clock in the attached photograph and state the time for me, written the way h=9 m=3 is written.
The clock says h=9 m=40
